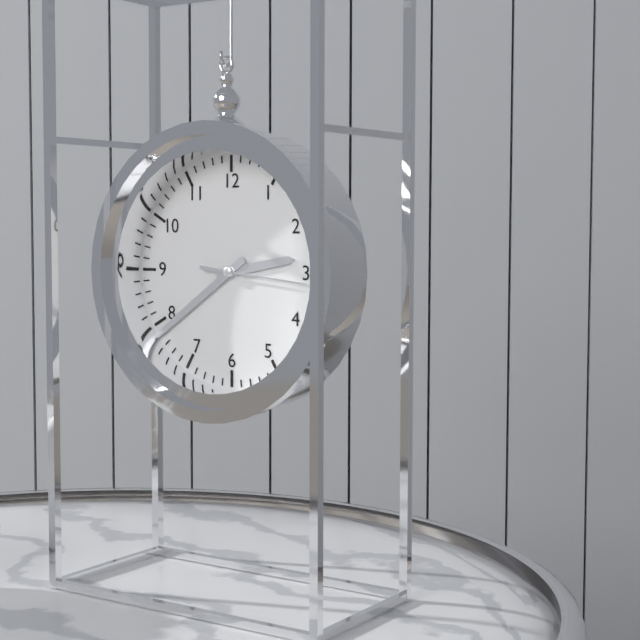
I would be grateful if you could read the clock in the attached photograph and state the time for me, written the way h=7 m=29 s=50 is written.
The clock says h=2 m=39 s=16
